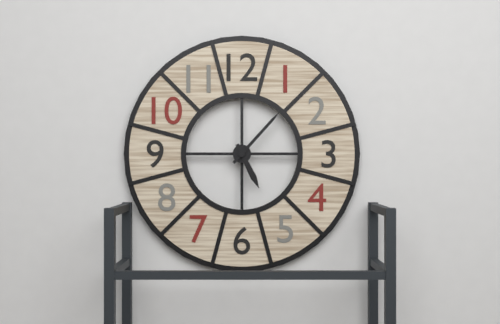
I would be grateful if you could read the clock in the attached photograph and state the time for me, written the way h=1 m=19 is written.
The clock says h=5 m=7
